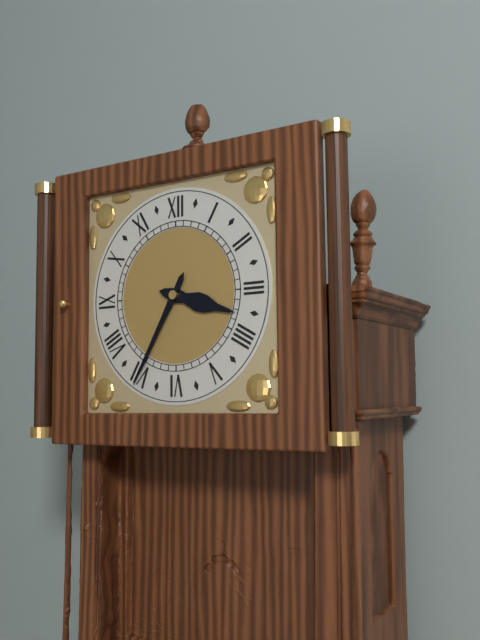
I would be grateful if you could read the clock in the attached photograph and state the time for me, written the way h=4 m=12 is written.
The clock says h=3 m=35
